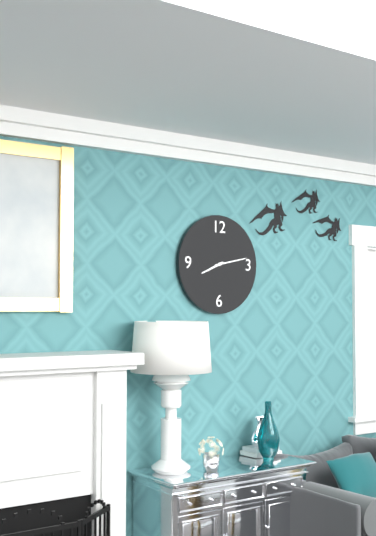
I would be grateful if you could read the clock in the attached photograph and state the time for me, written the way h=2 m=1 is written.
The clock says h=8 m=13
